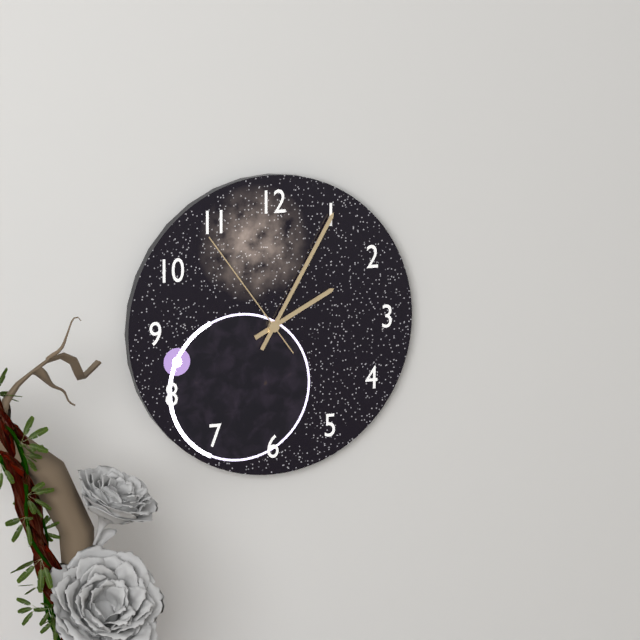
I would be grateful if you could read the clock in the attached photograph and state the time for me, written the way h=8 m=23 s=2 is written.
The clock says h=2 m=5 s=54
